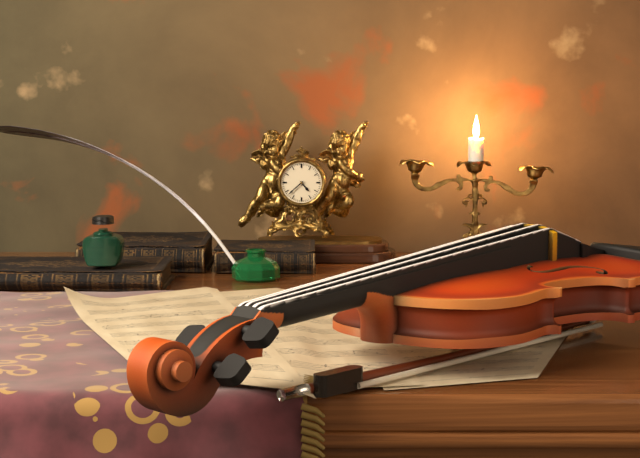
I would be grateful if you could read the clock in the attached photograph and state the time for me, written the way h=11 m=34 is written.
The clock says h=4 m=38
